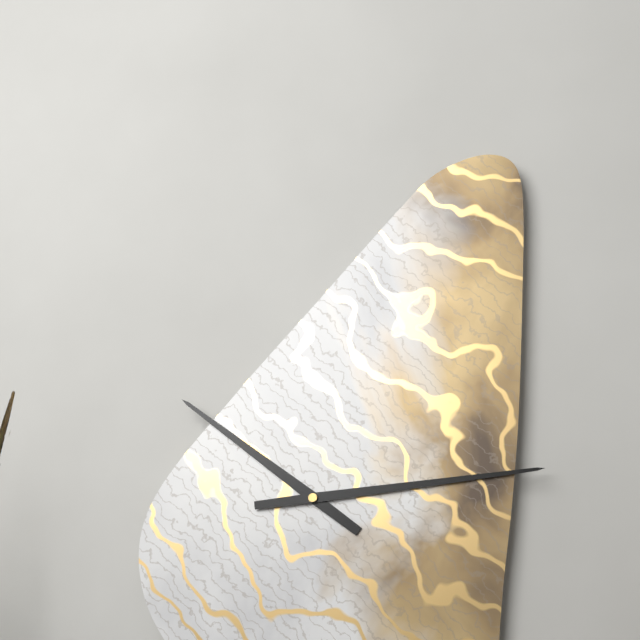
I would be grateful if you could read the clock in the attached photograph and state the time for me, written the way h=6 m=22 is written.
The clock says h=10 m=14
